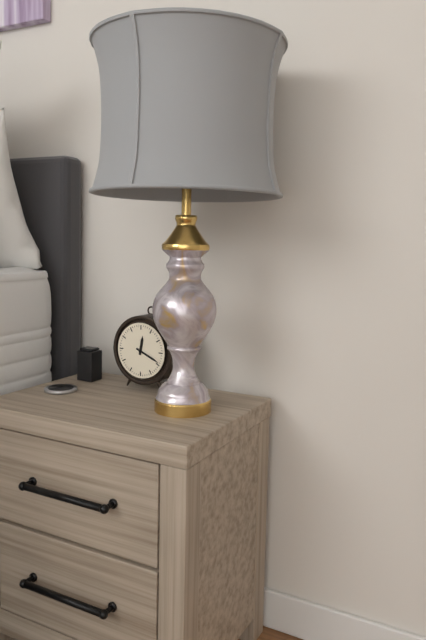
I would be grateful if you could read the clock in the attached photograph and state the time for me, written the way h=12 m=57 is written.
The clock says h=12 m=19
